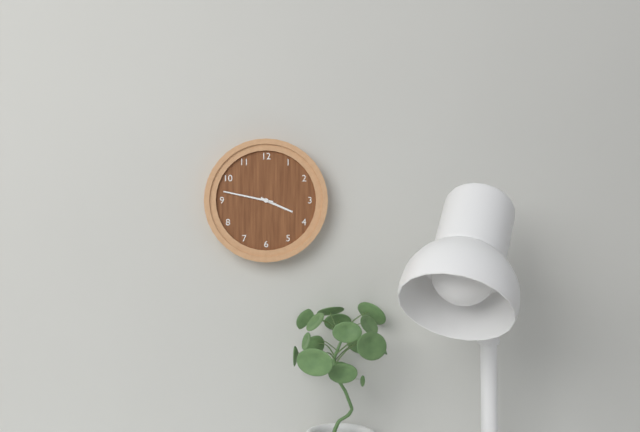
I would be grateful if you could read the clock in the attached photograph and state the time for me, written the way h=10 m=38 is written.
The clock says h=3 m=47
